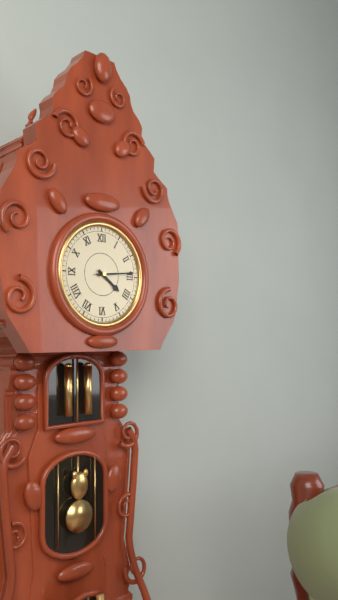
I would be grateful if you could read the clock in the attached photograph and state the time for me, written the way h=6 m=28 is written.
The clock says h=4 m=14
